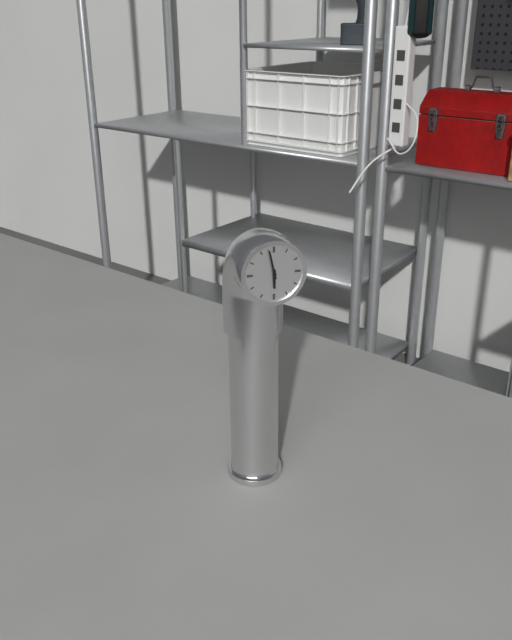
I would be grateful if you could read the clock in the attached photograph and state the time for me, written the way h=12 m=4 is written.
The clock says h=5 m=58
